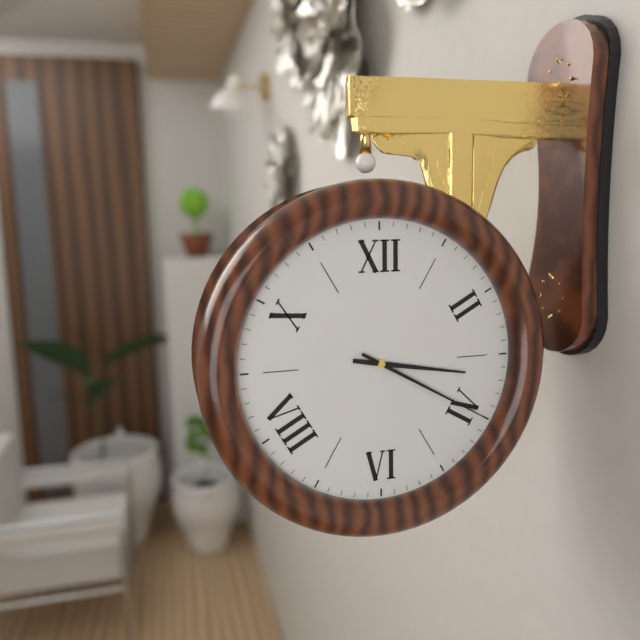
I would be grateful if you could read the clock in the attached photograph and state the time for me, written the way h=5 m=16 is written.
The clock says h=3 m=20
